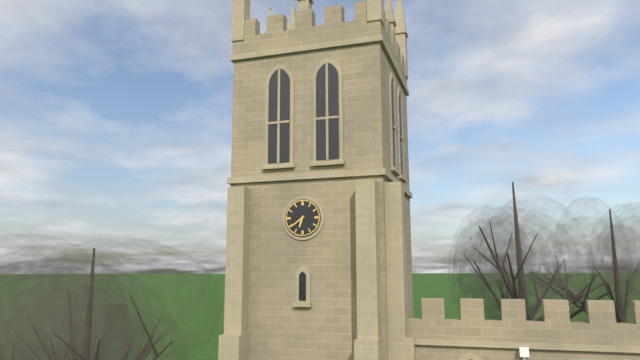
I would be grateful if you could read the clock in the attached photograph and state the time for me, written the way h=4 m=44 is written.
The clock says h=6 m=39
